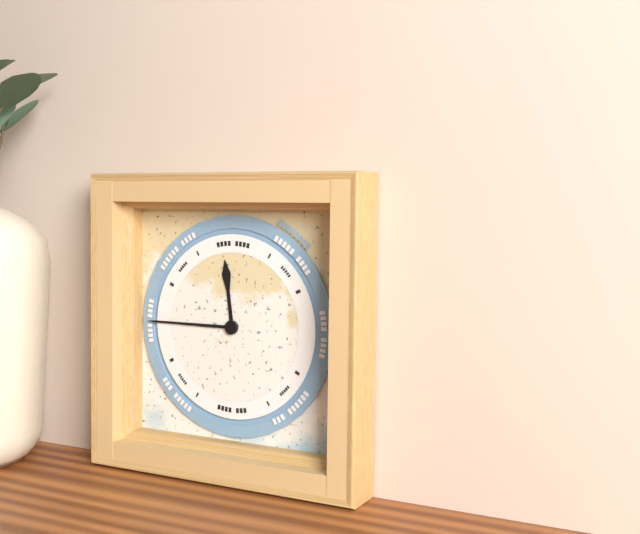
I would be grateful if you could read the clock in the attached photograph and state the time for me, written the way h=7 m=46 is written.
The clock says h=11 m=45
